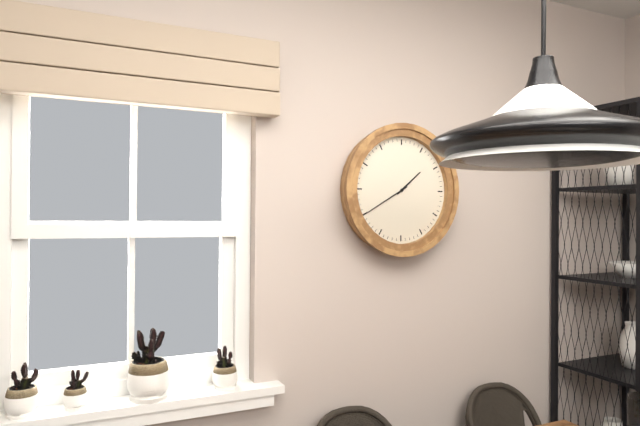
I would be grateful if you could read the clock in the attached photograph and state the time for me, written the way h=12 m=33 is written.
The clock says h=1 m=40
